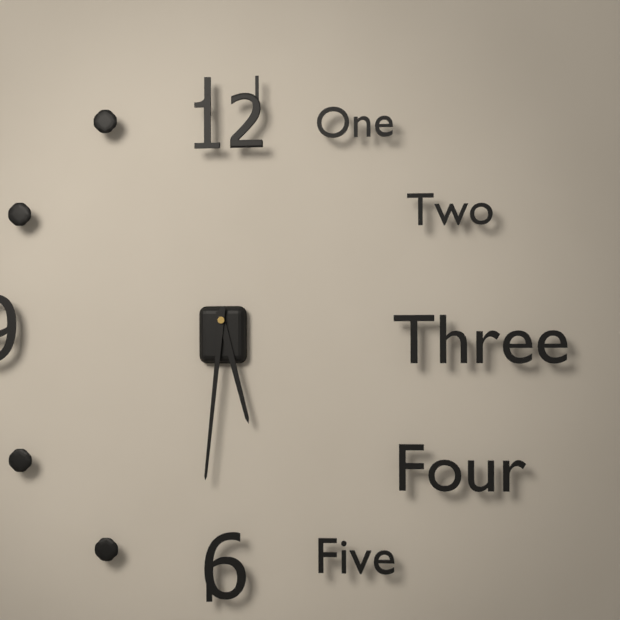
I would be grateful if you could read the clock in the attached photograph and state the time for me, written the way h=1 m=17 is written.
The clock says h=5 m=31
